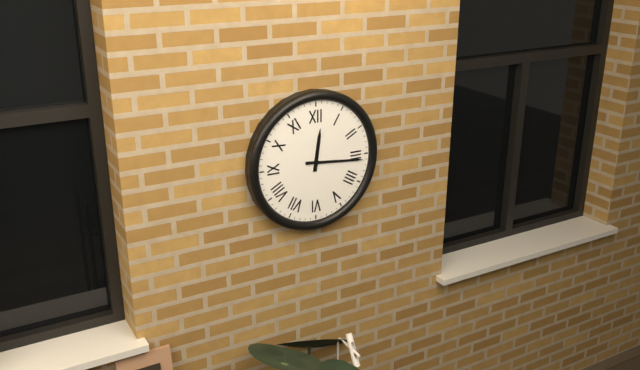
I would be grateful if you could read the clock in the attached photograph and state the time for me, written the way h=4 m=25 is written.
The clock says h=12 m=16
